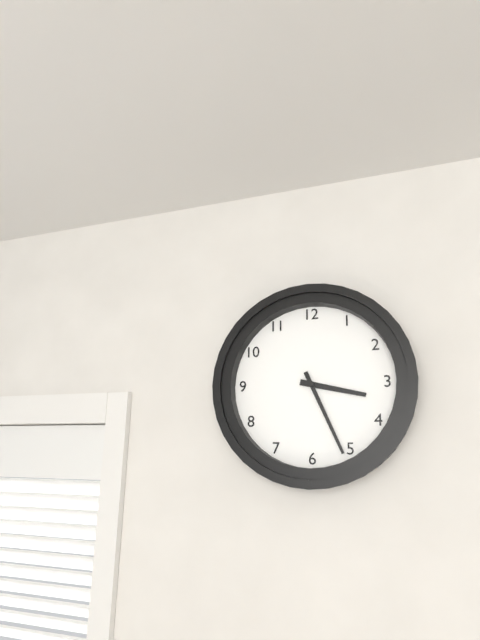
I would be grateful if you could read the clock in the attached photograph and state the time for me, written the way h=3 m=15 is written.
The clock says h=3 m=26
